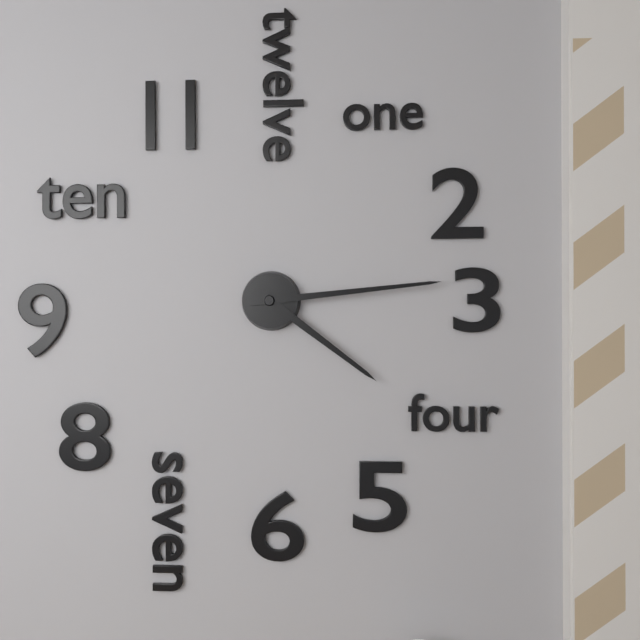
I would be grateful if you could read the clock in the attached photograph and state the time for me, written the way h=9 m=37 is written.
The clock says h=4 m=14
